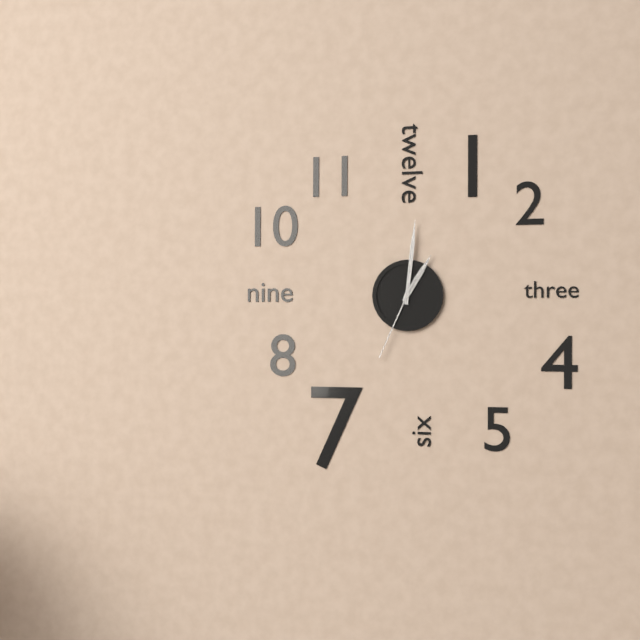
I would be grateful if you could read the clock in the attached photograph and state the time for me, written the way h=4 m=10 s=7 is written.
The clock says h=1 m=1 s=34
